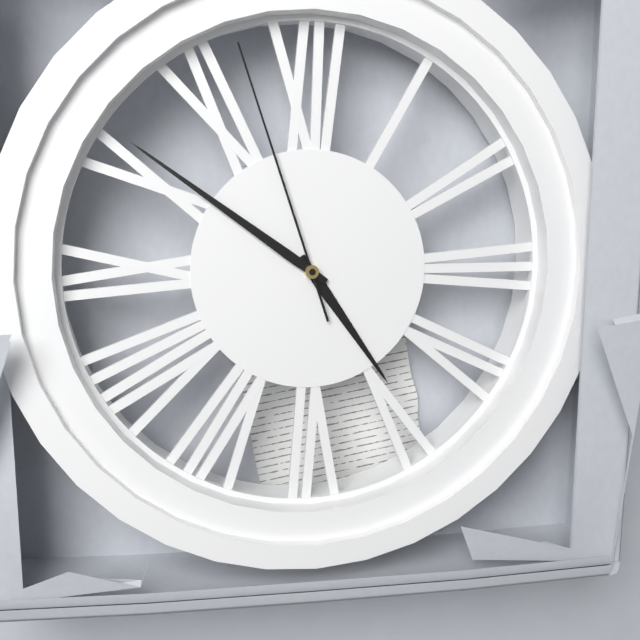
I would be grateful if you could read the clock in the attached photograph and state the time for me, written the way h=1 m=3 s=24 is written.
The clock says h=4 m=51 s=57
